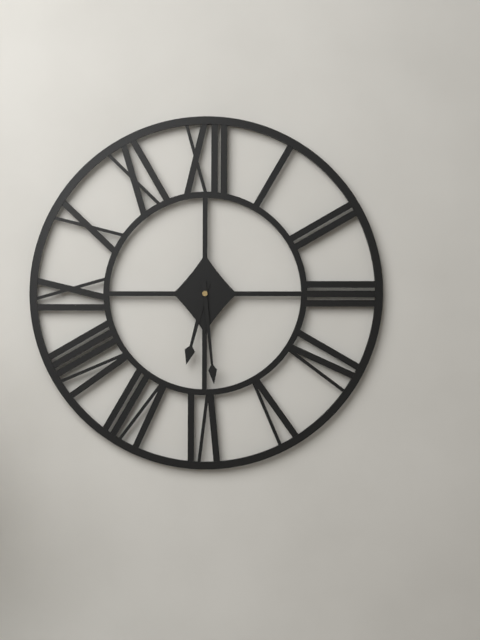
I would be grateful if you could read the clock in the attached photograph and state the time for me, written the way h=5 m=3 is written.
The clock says h=6 m=29
